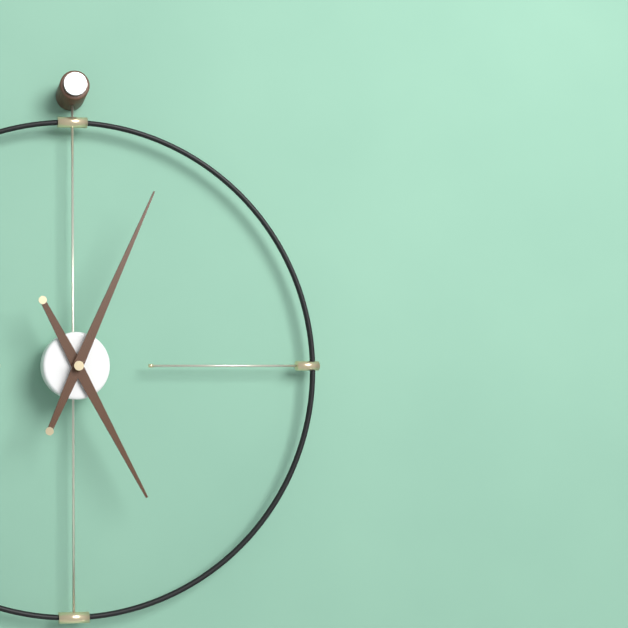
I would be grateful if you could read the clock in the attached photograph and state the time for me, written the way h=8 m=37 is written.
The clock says h=5 m=4
